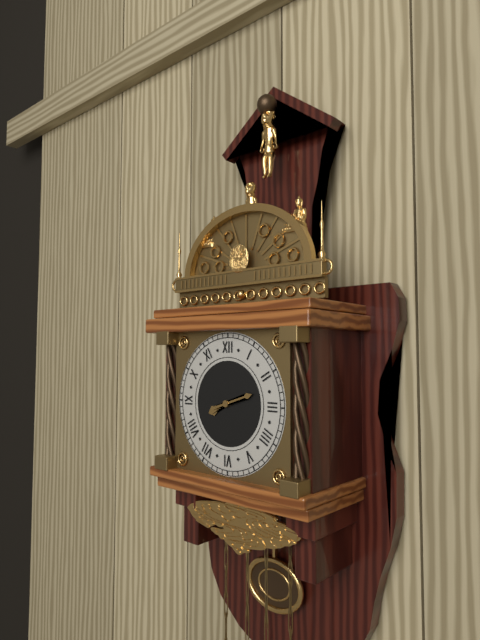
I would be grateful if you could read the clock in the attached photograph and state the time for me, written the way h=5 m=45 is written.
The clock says h=8 m=12
